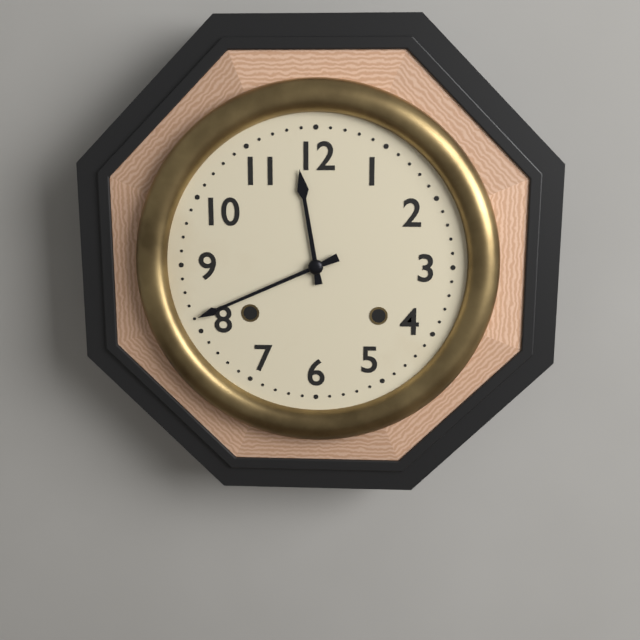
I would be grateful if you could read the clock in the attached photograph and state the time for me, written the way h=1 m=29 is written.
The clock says h=11 m=41
